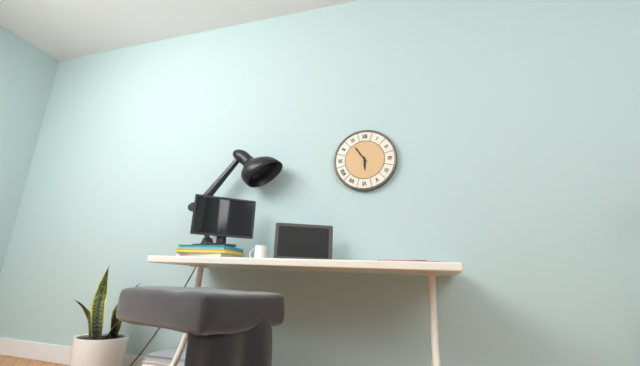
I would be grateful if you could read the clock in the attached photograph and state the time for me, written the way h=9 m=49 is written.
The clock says h=5 m=54
